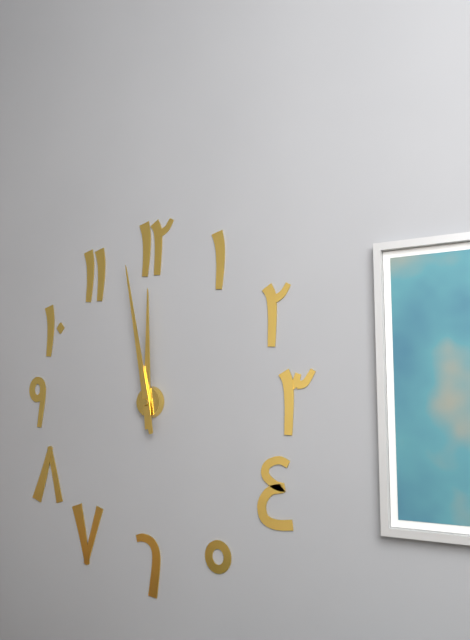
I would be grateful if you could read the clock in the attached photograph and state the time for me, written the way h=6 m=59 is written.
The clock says h=11 m=58
